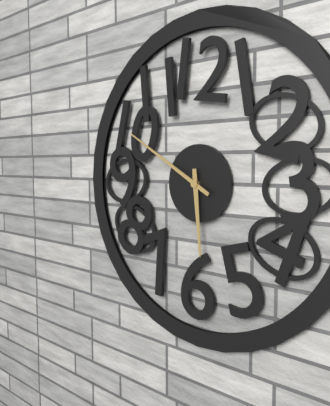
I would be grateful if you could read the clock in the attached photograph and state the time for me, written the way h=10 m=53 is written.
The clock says h=5 m=50
